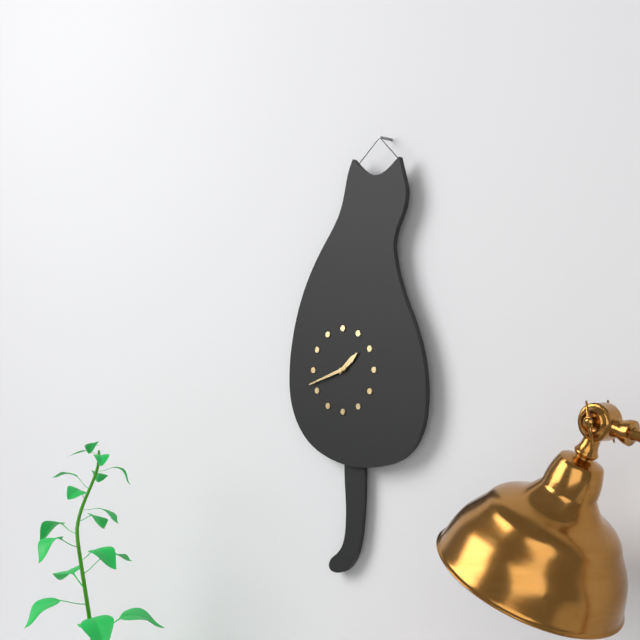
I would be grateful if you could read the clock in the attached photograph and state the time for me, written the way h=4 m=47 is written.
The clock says h=1 m=42
